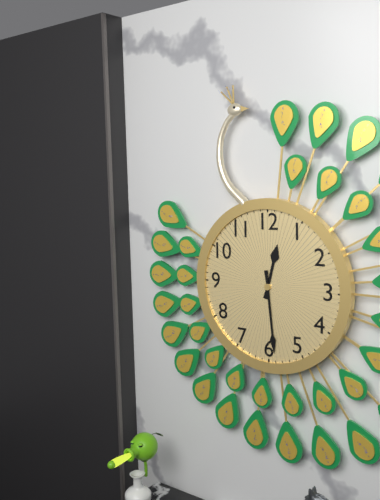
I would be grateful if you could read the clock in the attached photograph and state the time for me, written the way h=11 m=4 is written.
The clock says h=12 m=29
